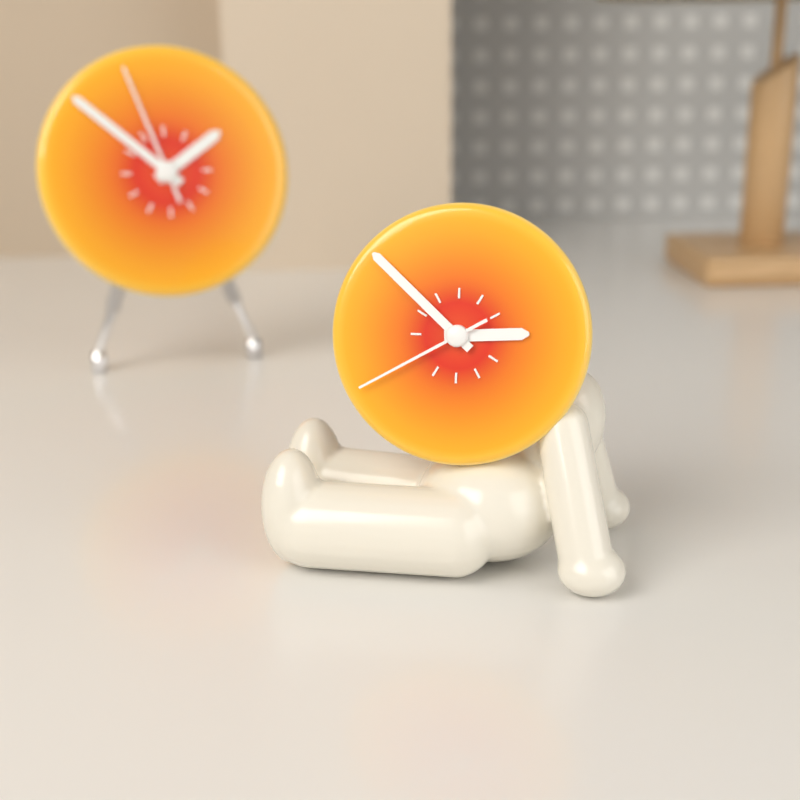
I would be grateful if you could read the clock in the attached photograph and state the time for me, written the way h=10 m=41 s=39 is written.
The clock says h=2 m=52 s=40
